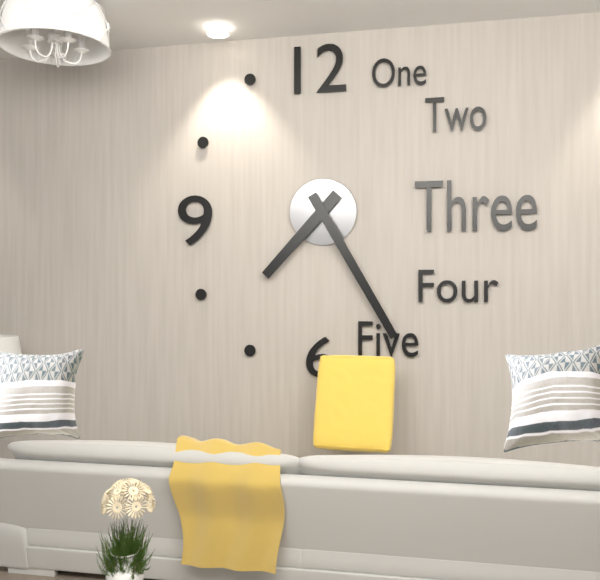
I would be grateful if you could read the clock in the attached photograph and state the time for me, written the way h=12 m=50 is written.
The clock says h=7 m=25
